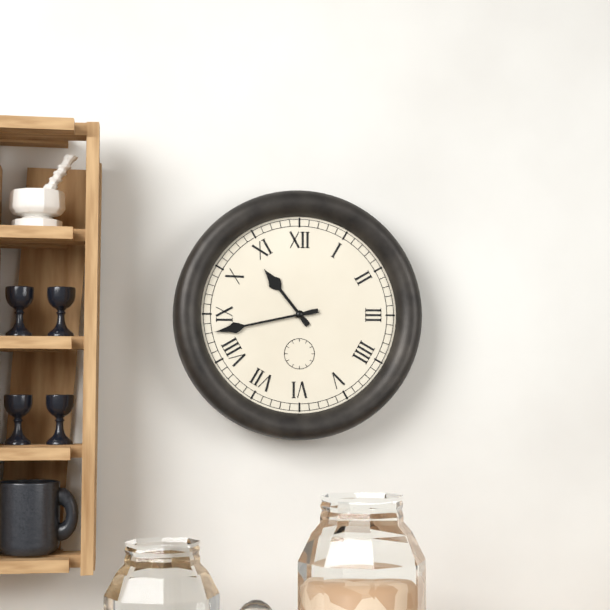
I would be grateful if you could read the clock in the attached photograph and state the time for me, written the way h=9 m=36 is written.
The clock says h=10 m=43
